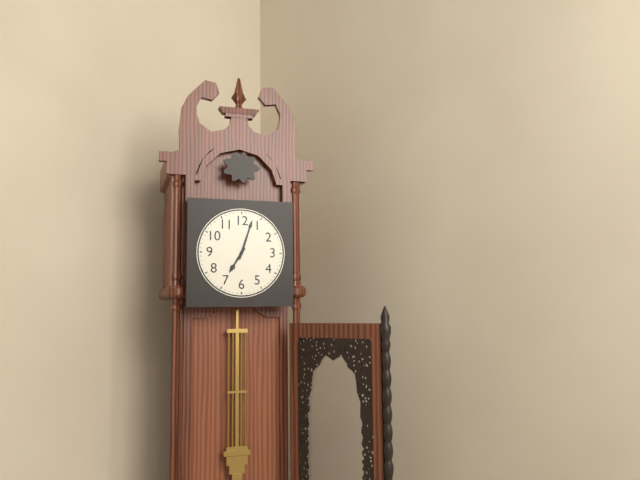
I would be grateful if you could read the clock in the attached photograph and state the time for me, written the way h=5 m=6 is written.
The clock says h=7 m=3
